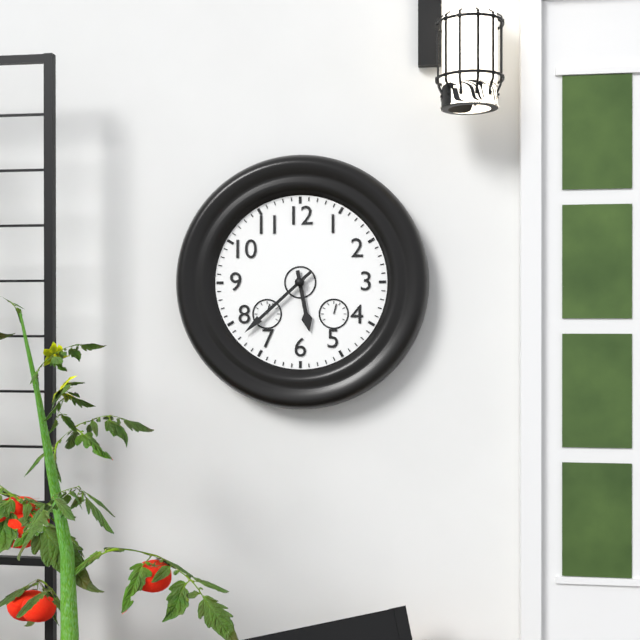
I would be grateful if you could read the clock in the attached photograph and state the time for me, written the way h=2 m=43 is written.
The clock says h=5 m=38
